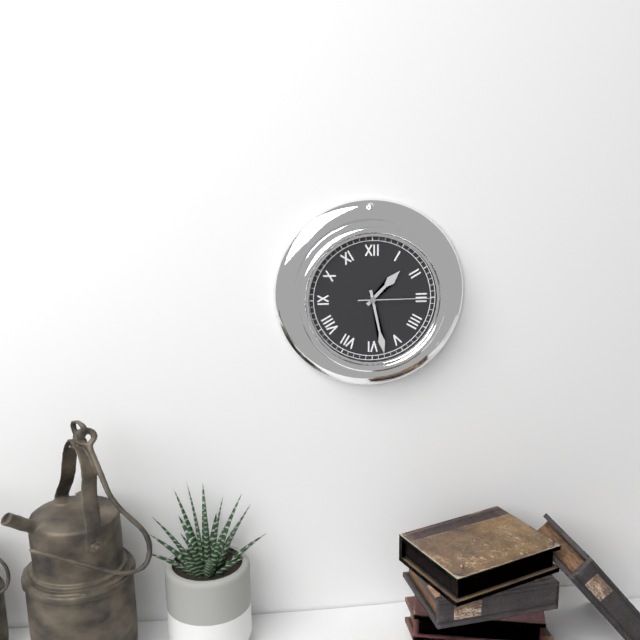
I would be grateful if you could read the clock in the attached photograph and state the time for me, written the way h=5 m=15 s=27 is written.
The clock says h=1 m=28 s=15
